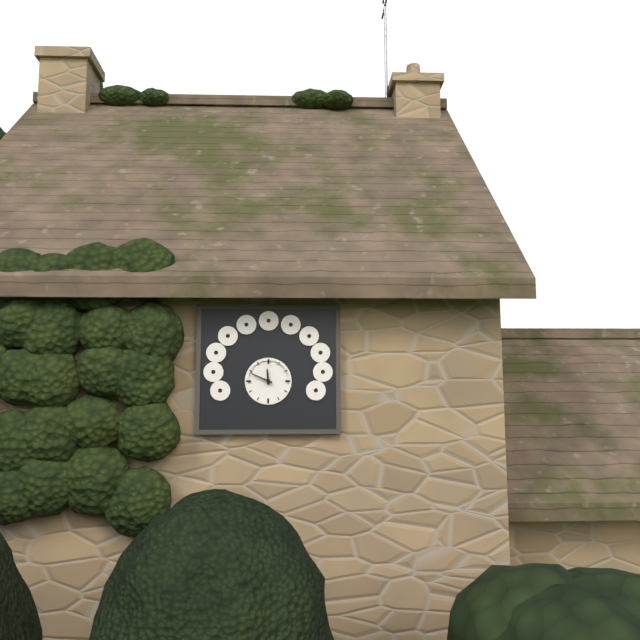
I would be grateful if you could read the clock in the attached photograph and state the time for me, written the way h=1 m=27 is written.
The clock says h=11 m=49
